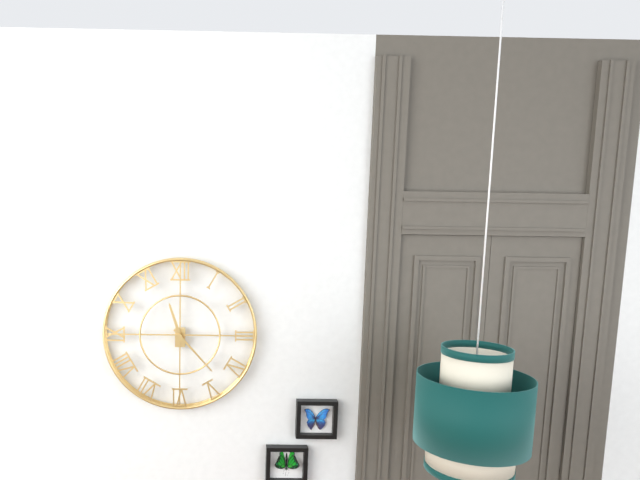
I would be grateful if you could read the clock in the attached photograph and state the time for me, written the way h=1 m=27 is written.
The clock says h=11 m=23
